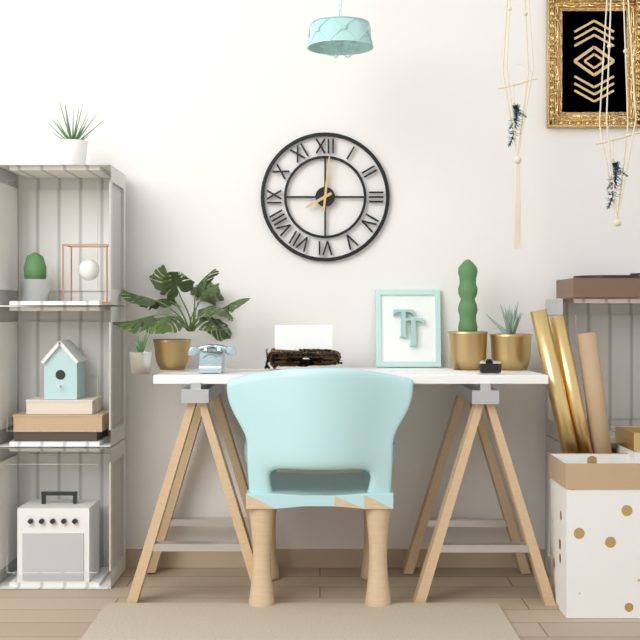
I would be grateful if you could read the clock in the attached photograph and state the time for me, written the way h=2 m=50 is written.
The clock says h=8 m=1
